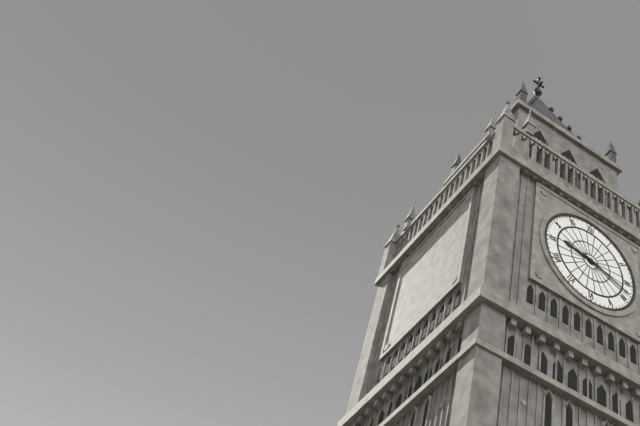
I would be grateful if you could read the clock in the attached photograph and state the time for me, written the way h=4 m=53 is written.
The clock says h=9 m=18
